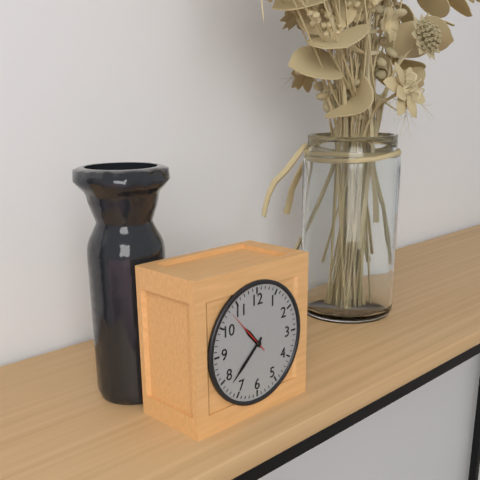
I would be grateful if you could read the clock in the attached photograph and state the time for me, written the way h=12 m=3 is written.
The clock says h=10 m=38
